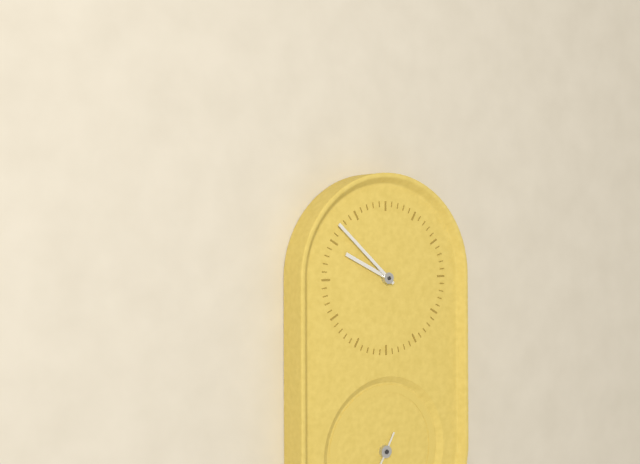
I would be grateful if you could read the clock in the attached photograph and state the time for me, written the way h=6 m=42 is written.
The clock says h=9 m=52
